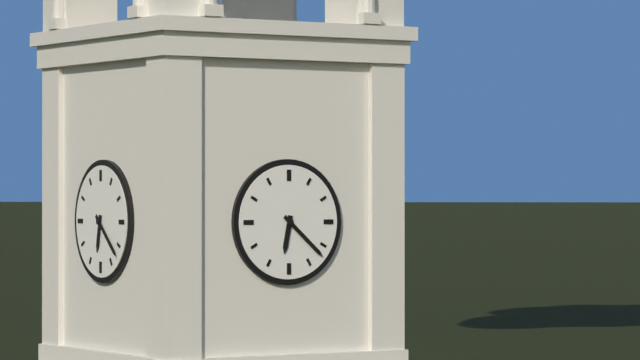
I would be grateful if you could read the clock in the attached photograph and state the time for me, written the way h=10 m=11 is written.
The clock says h=6 m=22
